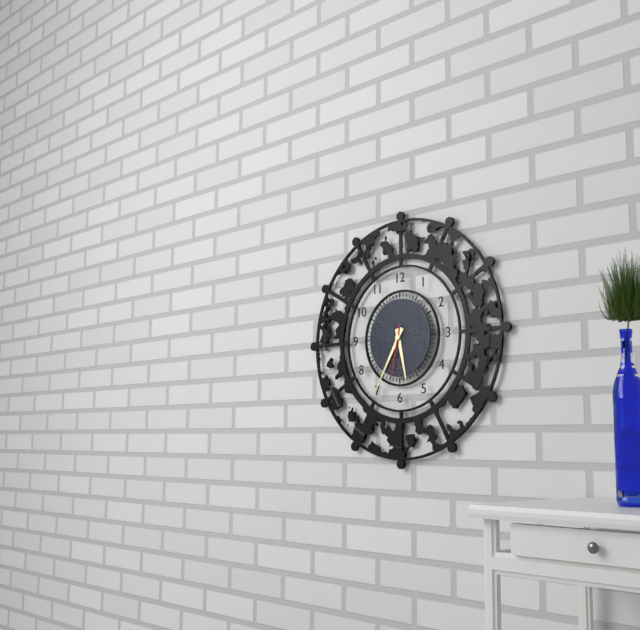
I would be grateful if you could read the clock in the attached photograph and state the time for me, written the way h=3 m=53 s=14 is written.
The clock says h=5 m=35 s=32
